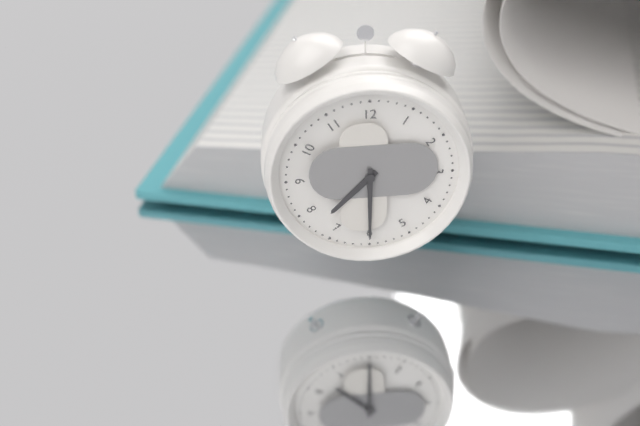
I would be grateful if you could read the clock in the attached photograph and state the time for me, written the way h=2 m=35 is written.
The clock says h=7 m=30
